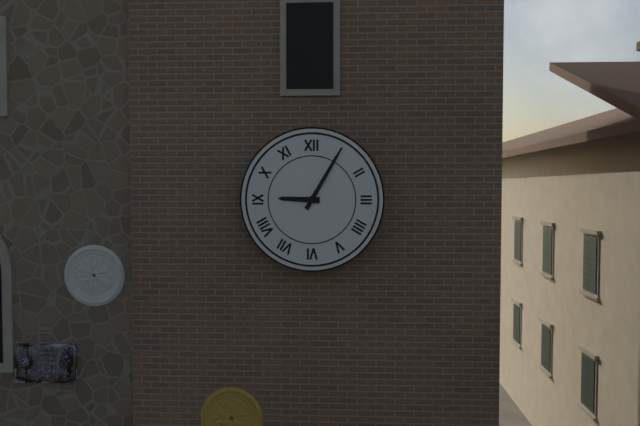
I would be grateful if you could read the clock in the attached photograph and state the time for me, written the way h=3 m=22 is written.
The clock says h=9 m=5
